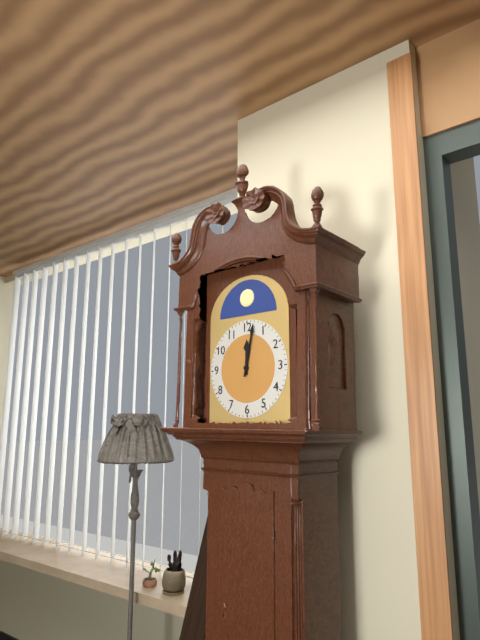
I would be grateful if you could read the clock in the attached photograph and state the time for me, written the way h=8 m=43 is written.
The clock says h=12 m=2
